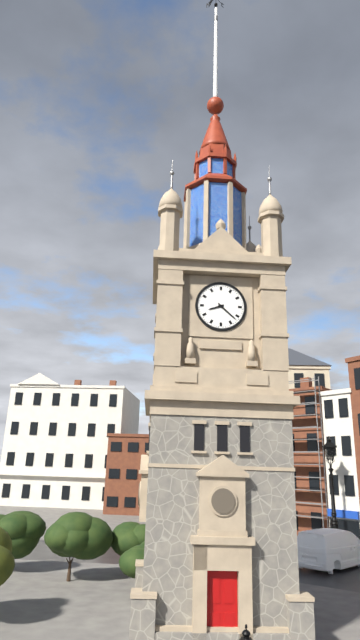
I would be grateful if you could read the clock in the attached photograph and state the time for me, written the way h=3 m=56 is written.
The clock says h=8 m=22
